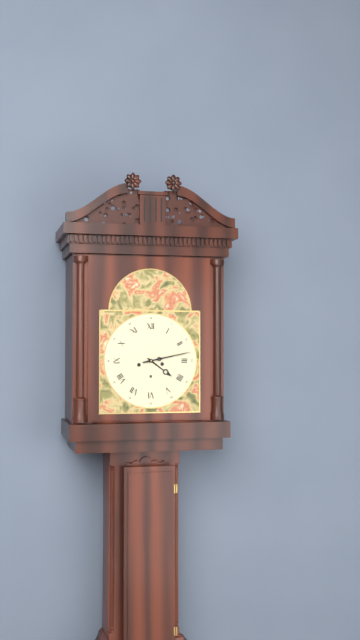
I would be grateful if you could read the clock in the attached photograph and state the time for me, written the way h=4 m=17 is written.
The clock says h=4 m=13
